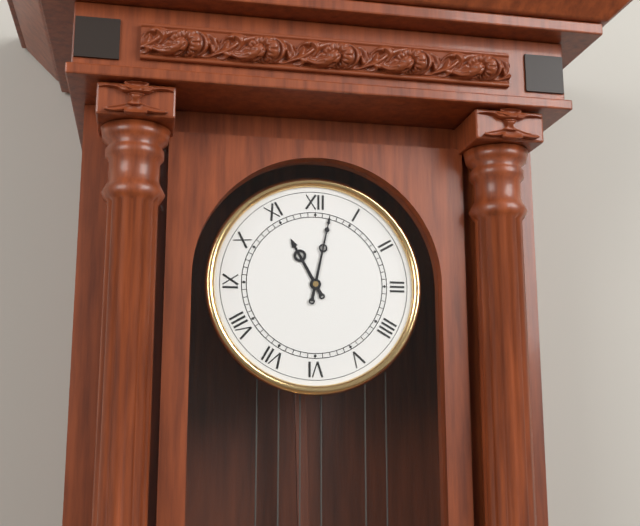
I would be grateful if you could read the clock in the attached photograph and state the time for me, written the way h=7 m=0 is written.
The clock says h=11 m=2
